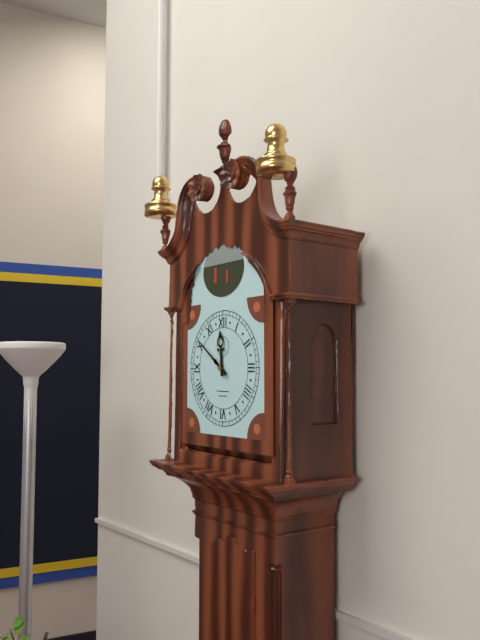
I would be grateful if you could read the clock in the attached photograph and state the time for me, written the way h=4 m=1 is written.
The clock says h=11 m=51
